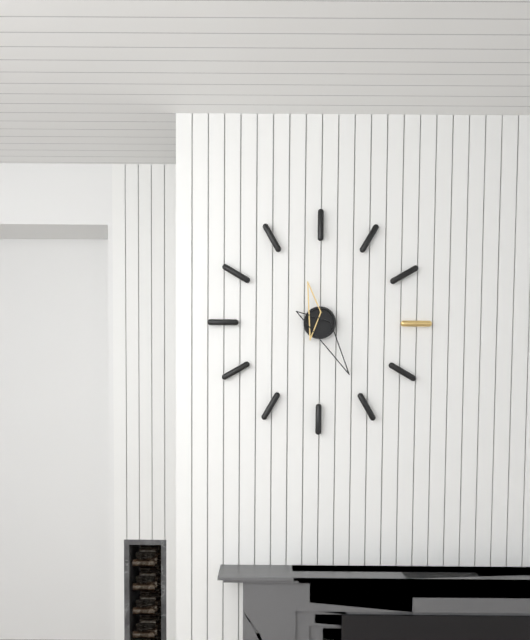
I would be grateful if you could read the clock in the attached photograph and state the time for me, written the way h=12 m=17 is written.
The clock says h=11 m=25
